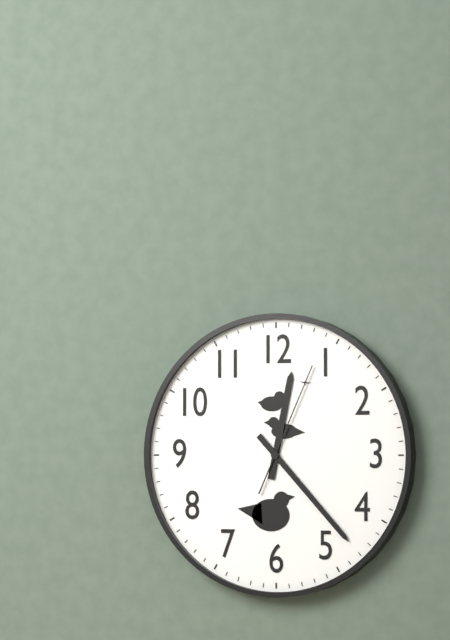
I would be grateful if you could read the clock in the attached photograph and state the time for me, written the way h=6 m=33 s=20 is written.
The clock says h=12 m=23 s=4
